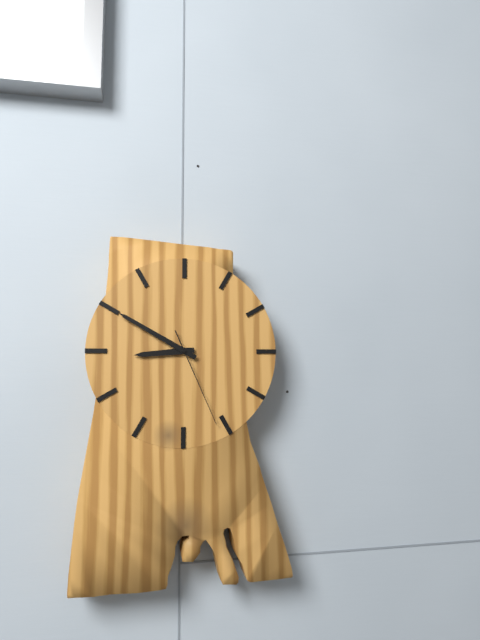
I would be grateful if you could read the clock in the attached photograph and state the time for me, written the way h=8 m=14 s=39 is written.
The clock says h=8 m=50 s=26
